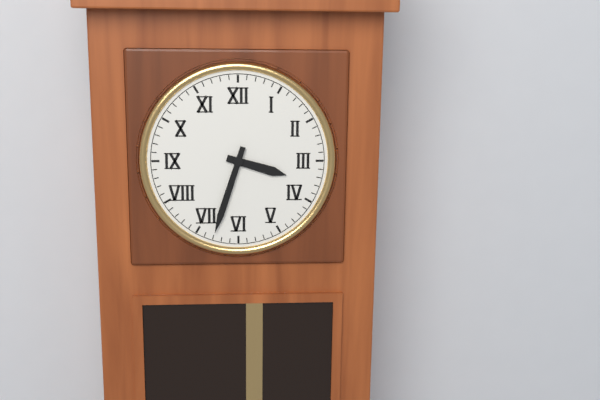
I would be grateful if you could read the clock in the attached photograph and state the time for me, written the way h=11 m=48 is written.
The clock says h=3 m=33
